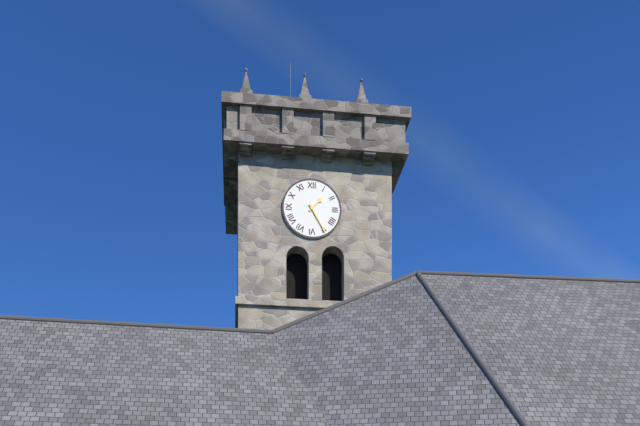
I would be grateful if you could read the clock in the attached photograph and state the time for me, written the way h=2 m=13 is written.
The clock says h=1 m=25
